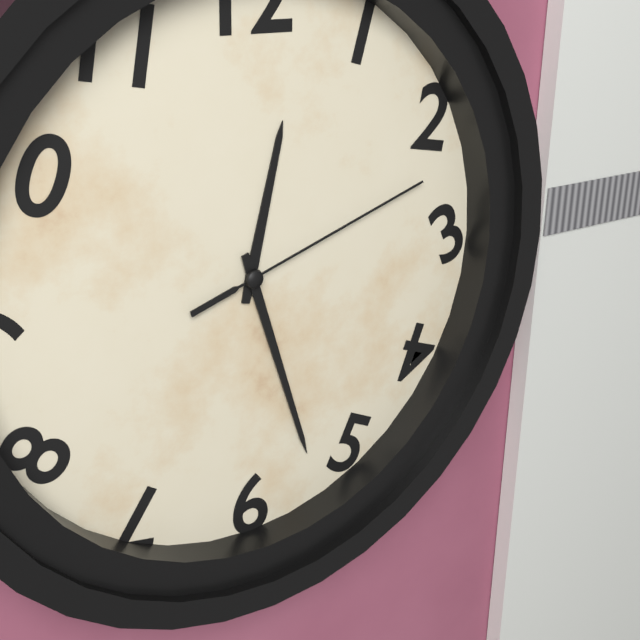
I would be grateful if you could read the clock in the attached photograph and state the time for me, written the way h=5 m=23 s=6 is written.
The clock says h=12 m=27 s=12
